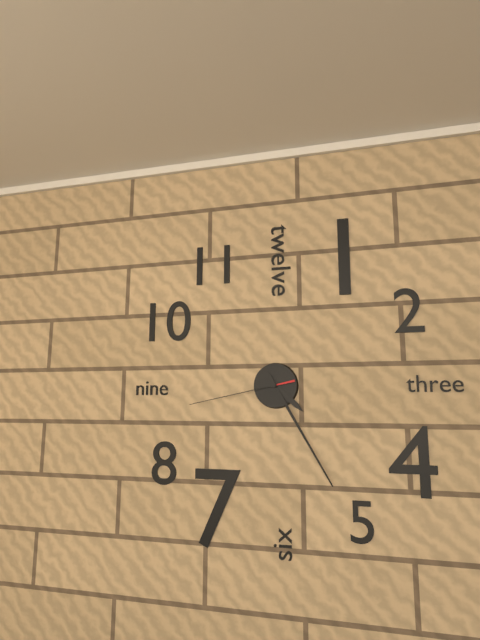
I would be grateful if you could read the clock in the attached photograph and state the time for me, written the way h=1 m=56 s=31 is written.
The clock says h=4 m=25 s=43
